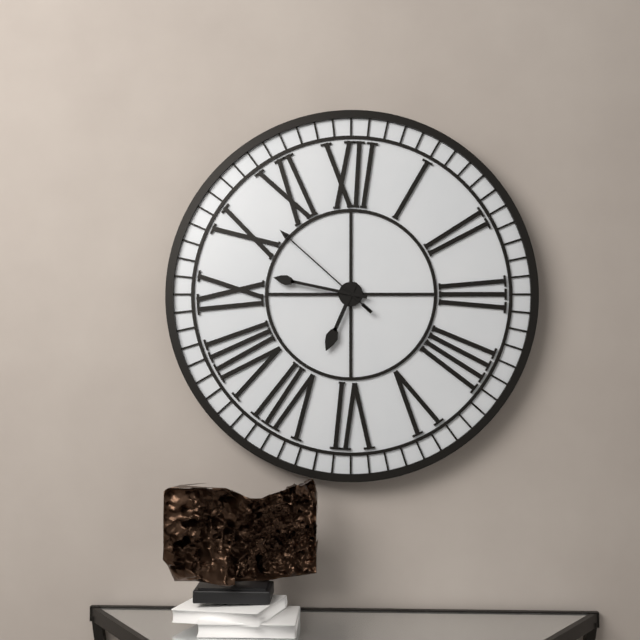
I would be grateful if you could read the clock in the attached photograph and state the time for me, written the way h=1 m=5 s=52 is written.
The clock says h=6 m=47 s=52
